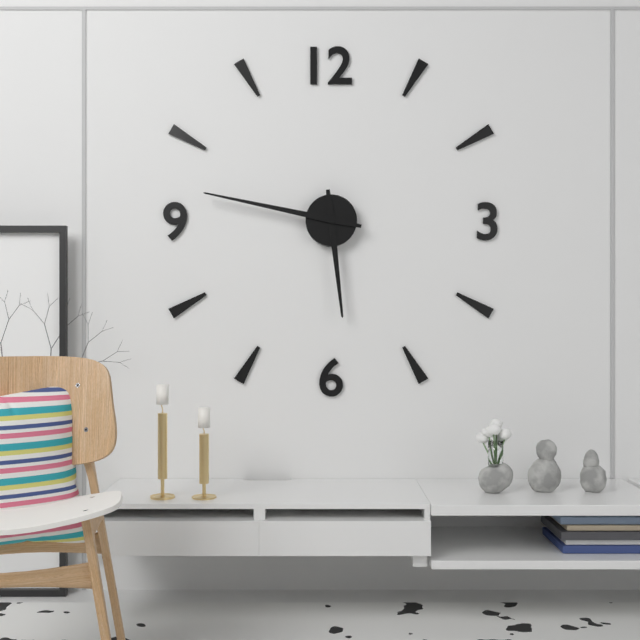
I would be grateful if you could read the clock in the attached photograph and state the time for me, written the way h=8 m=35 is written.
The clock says h=5 m=47
